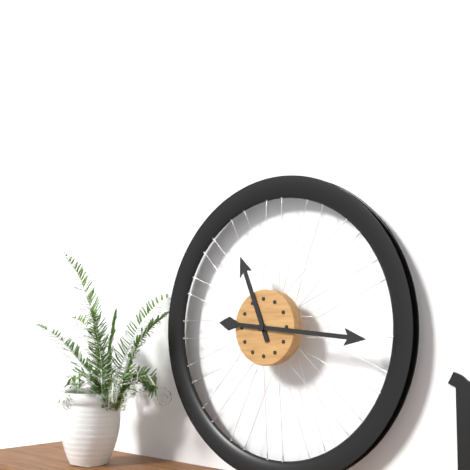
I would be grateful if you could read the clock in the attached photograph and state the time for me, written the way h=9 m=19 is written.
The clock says h=11 m=16
